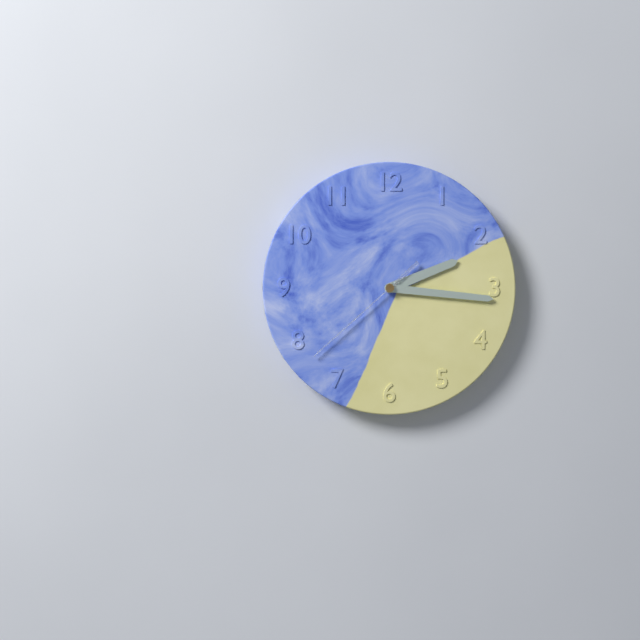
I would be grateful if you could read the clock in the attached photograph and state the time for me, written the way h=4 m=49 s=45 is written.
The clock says h=2 m=16 s=38
